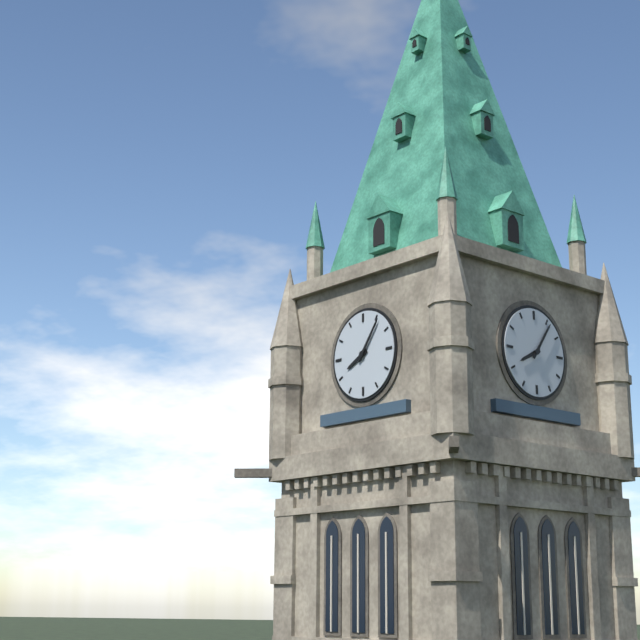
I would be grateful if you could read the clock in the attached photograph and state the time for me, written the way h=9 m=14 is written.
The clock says h=8 m=6
